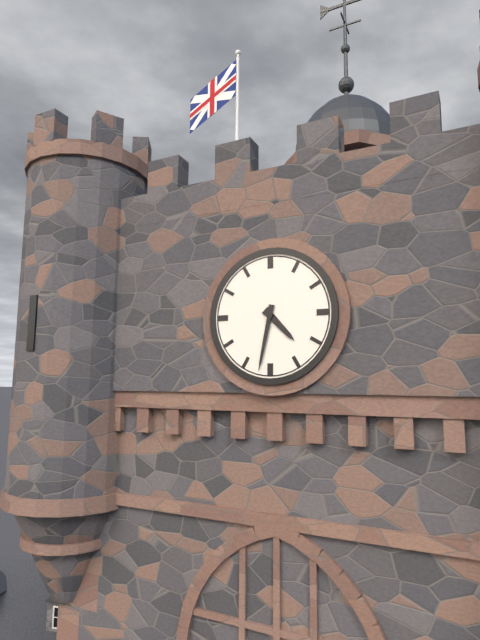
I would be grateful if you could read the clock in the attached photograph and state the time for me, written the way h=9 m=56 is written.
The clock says h=4 m=32
